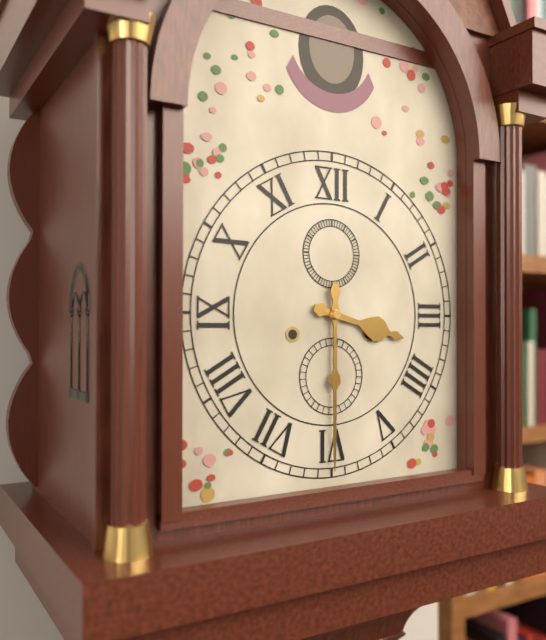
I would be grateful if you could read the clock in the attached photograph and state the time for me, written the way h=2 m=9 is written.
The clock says h=3 m=30
